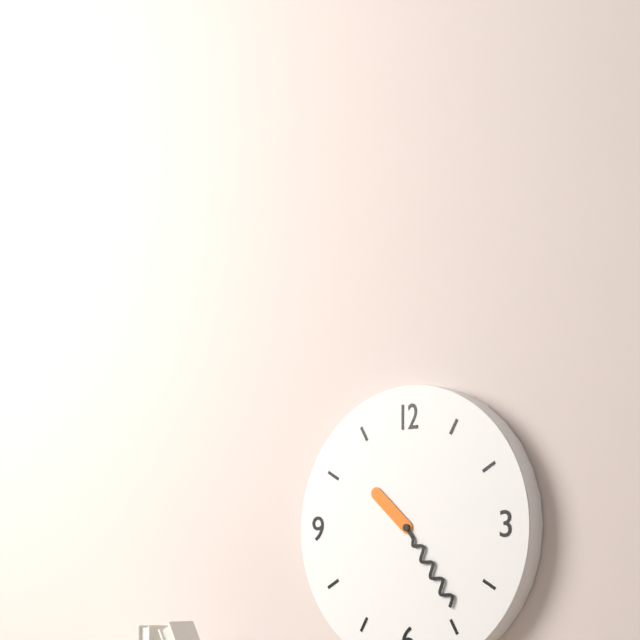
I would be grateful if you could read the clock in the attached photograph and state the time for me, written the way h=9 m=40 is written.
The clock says h=10 m=24
